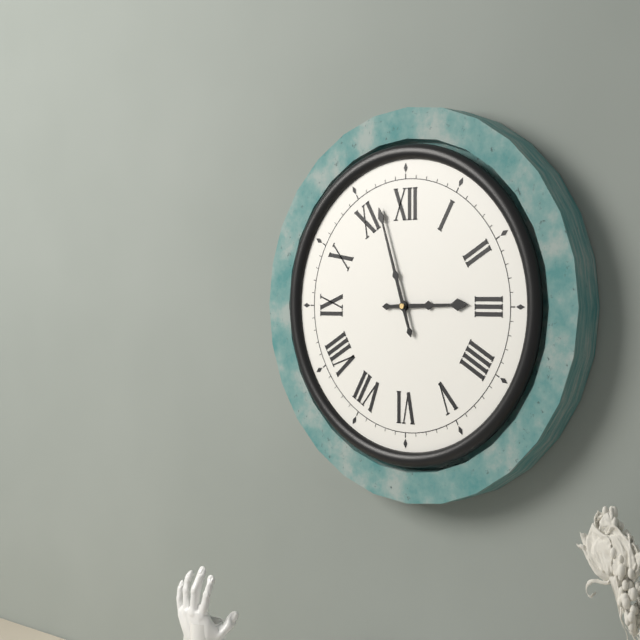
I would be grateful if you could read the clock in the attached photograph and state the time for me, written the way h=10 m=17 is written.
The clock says h=2 m=57
